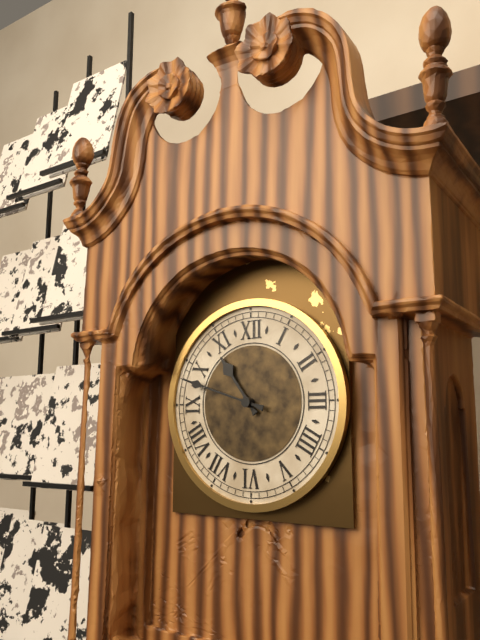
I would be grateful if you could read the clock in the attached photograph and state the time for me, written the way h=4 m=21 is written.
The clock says h=10 m=48
